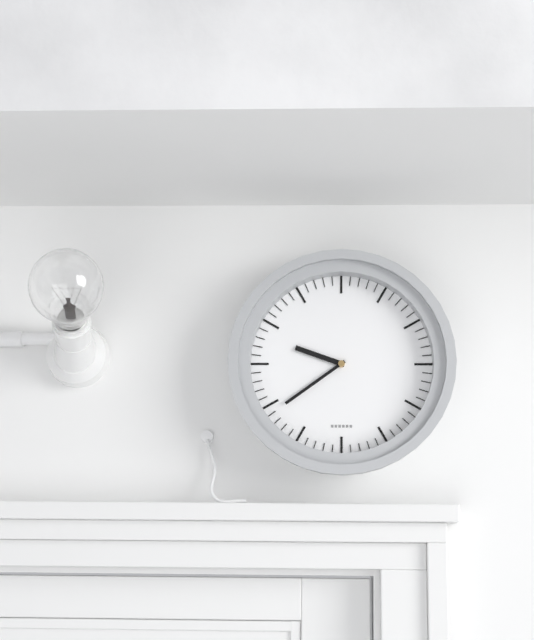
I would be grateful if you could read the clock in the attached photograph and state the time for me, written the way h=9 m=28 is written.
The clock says h=9 m=39
